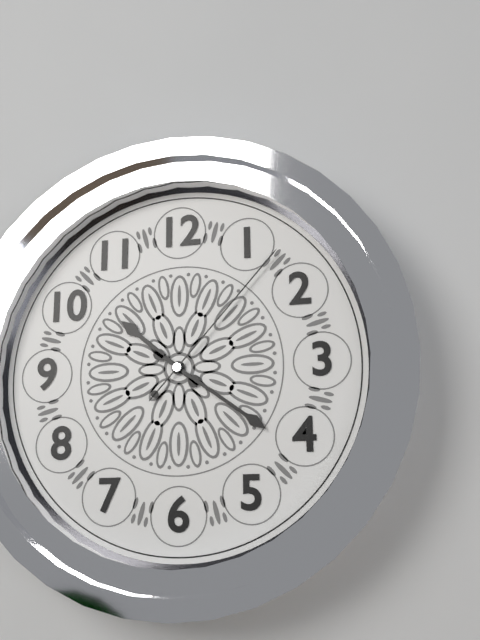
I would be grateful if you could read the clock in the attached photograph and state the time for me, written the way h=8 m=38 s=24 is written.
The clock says h=10 m=21 s=7
